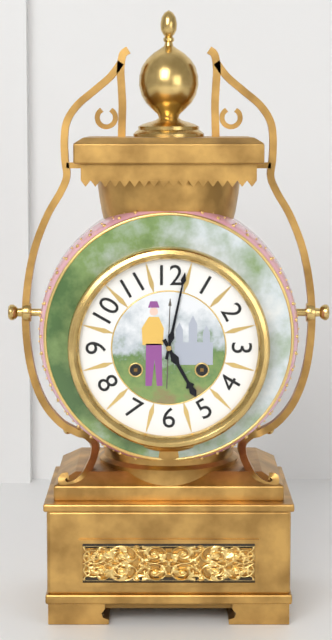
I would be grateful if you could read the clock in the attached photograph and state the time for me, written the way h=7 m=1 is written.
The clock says h=5 m=2
